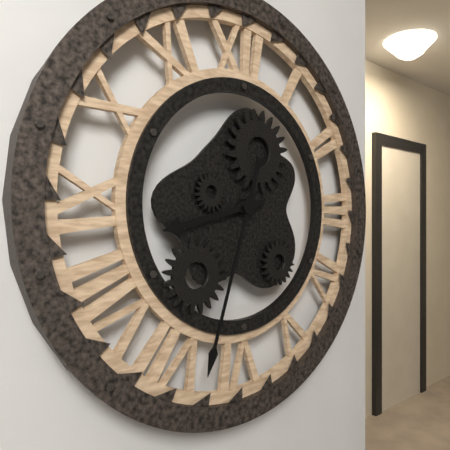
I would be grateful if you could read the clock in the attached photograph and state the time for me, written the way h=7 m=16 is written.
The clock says h=8 m=33
